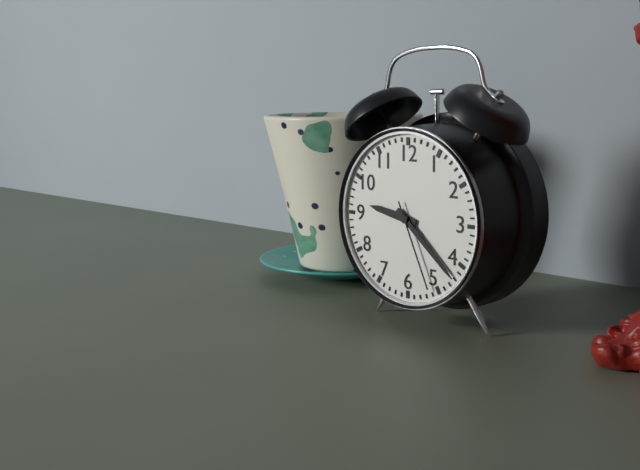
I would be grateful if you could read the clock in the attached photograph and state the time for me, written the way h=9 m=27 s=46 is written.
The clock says h=9 m=22 s=26
